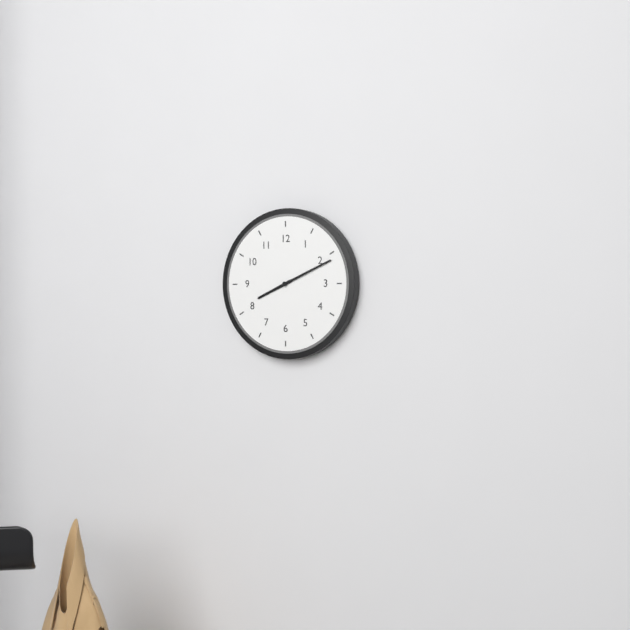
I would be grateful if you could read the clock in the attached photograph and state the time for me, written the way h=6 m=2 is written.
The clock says h=8 m=11
